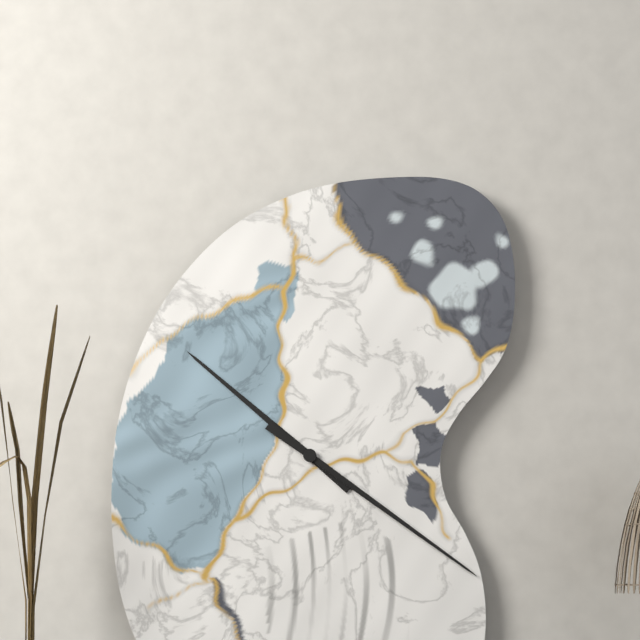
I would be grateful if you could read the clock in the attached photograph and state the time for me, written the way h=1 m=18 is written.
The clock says h=10 m=21
